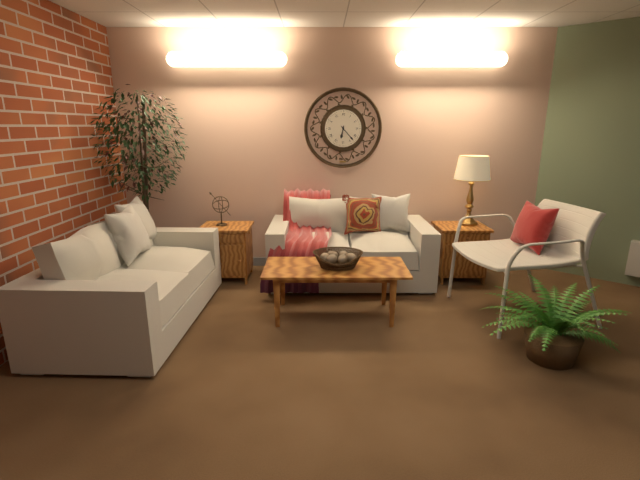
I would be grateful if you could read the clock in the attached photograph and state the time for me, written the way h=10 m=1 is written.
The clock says h=6 m=23
